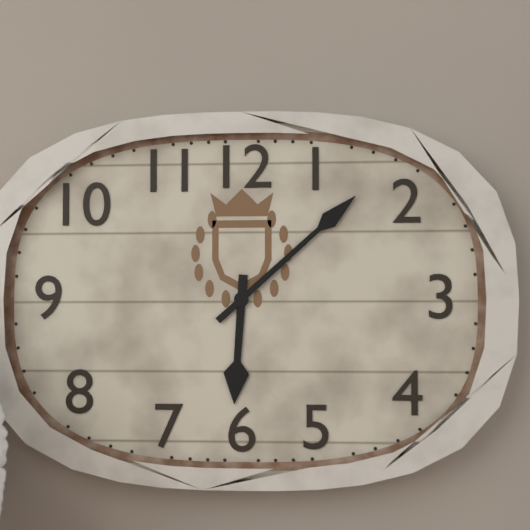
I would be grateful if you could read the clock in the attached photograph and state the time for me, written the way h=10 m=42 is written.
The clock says h=6 m=8
